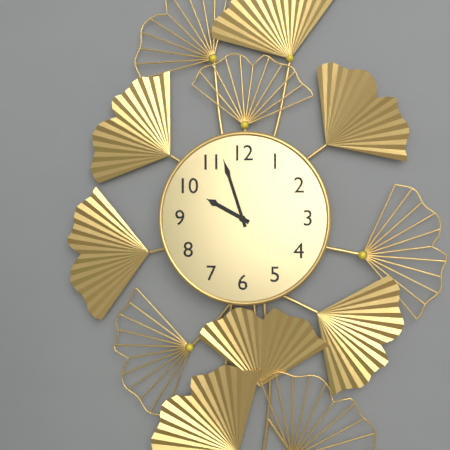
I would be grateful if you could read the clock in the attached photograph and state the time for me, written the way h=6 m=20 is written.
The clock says h=9 m=57
